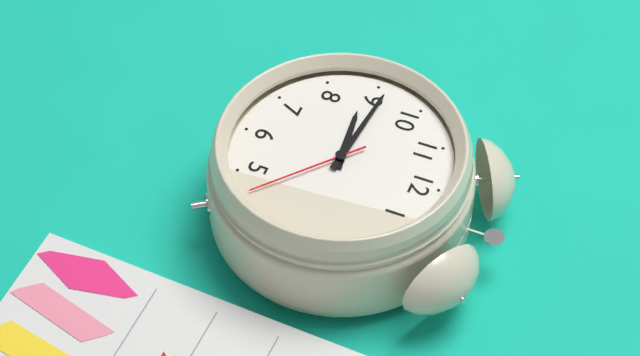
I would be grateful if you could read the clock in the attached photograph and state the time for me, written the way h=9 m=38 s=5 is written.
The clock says h=8 m=46 s=22
